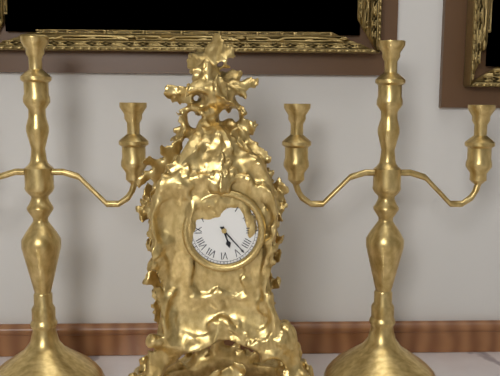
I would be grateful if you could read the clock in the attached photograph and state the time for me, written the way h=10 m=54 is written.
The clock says h=5 m=23
